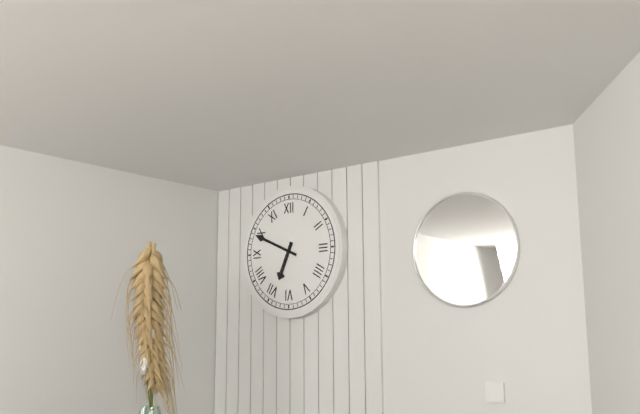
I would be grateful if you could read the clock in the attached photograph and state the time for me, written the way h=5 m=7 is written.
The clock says h=6 m=49
